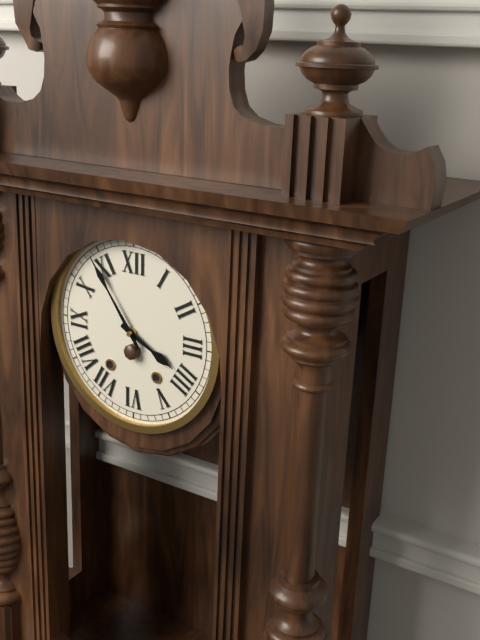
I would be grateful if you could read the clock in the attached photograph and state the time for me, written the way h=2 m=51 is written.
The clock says h=3 m=54
